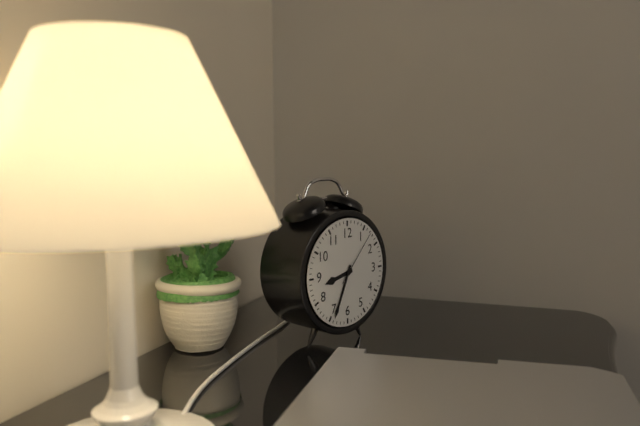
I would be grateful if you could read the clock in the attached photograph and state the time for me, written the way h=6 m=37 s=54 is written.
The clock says h=8 m=34 s=7
